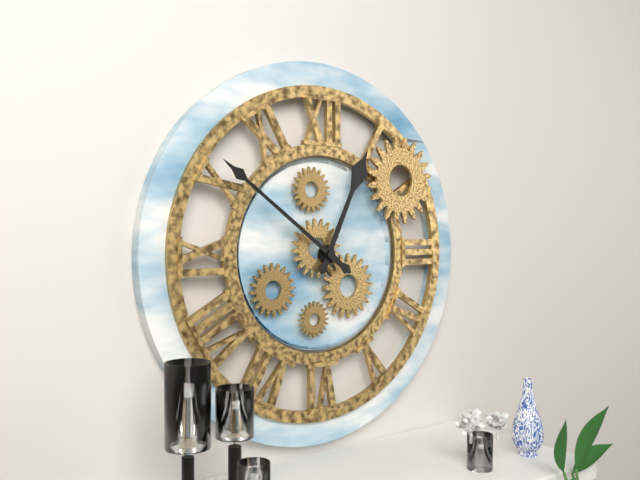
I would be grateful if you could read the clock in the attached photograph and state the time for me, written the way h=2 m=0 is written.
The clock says h=12 m=51
